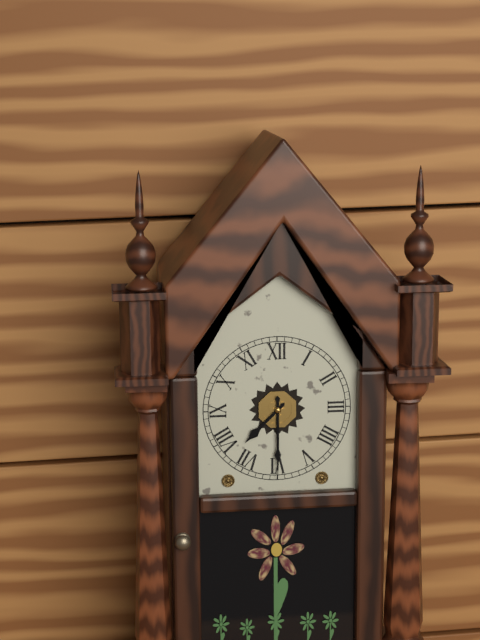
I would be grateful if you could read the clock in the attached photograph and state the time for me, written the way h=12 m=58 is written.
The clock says h=7 m=30
